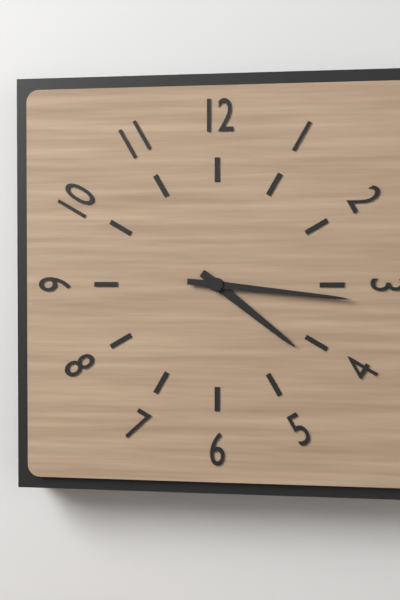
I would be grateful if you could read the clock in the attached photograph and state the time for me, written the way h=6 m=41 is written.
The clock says h=4 m=16
